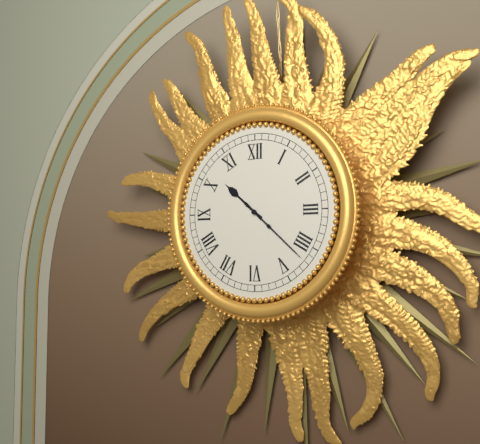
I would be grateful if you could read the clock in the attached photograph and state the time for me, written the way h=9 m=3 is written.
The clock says h=10 m=22
